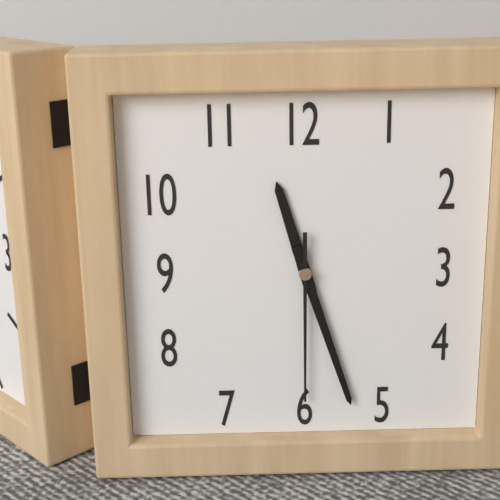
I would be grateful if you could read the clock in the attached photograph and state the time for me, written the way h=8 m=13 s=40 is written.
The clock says h=11 m=27 s=30
